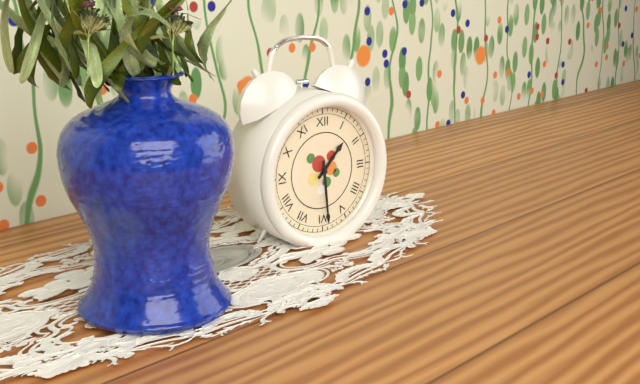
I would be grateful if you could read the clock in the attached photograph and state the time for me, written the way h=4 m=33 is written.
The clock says h=1 m=29
